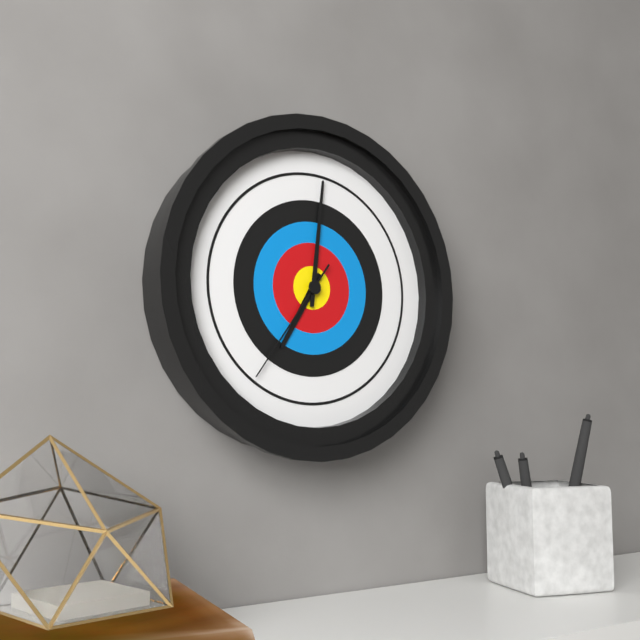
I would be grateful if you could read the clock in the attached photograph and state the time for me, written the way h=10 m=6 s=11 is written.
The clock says h=7 m=1 s=36
